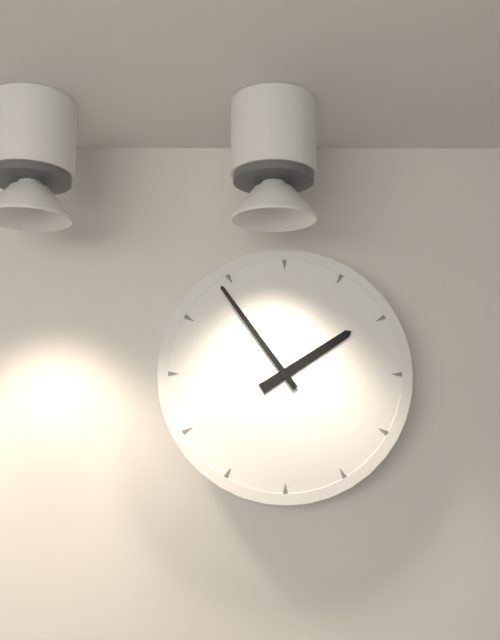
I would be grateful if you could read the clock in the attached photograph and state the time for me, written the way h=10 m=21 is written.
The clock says h=1 m=54
